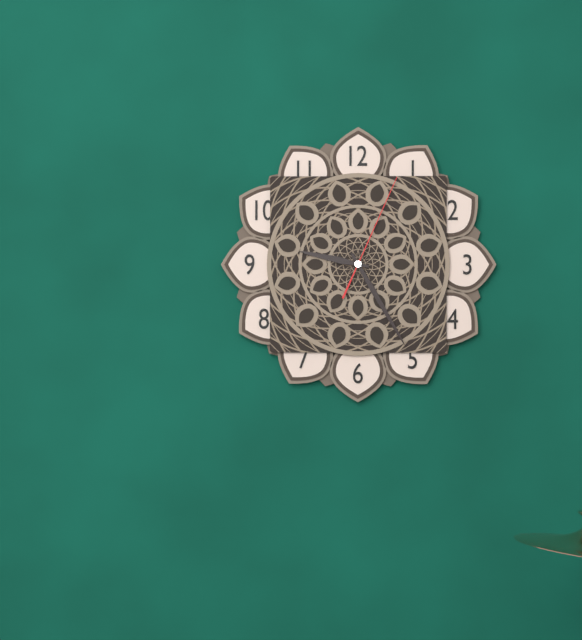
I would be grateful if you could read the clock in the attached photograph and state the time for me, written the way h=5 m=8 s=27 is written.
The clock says h=9 m=25 s=4
